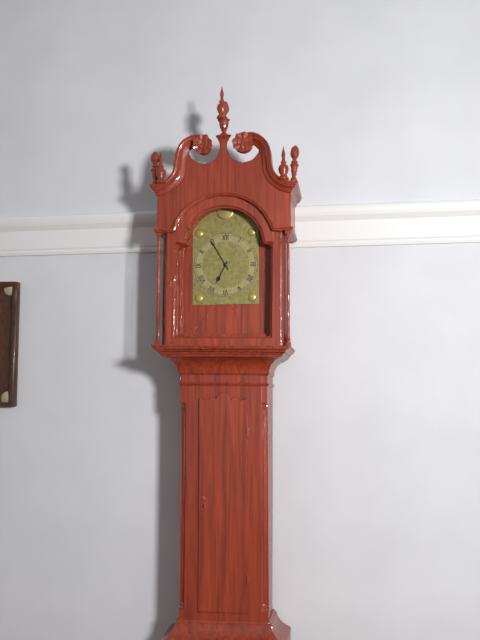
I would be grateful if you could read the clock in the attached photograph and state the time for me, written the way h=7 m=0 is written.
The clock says h=6 m=55
